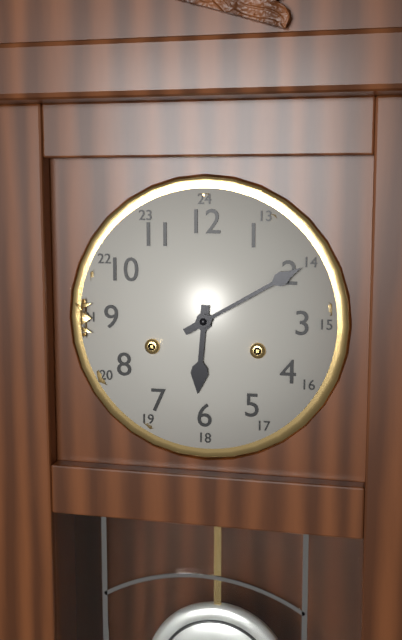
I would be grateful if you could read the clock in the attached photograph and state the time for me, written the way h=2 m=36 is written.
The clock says h=6 m=10
